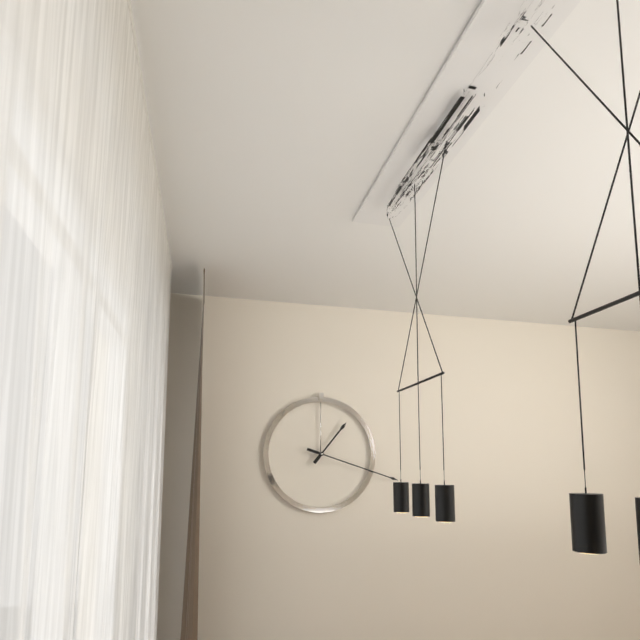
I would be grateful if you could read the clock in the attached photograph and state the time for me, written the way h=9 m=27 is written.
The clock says h=1 m=18
